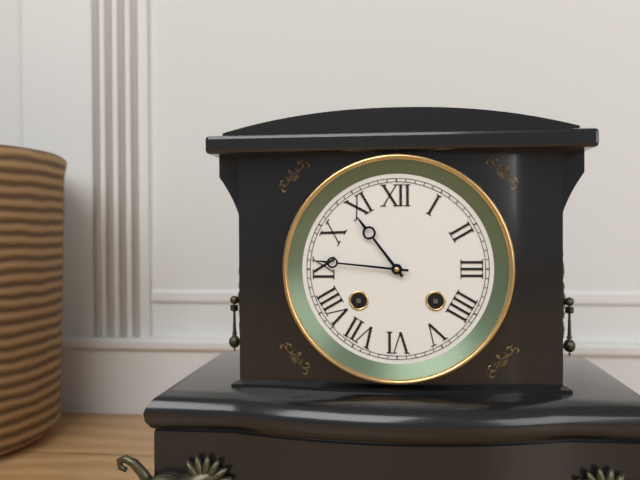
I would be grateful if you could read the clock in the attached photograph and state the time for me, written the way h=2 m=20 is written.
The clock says h=10 m=46
